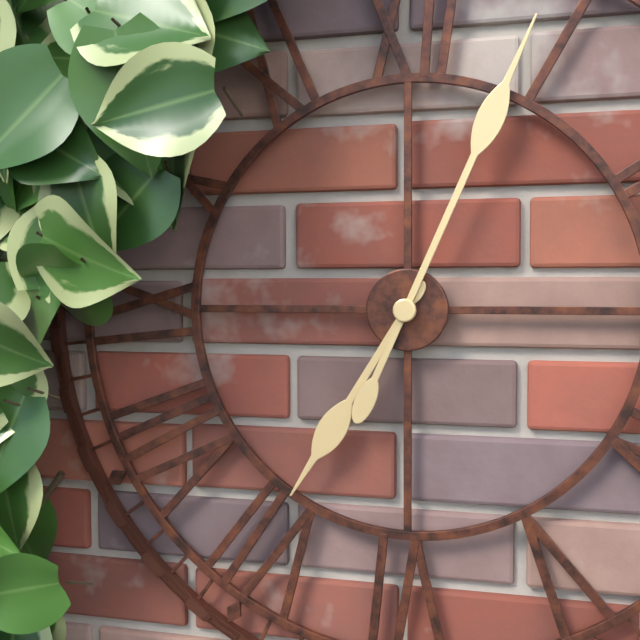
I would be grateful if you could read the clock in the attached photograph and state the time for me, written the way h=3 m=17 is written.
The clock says h=7 m=4
